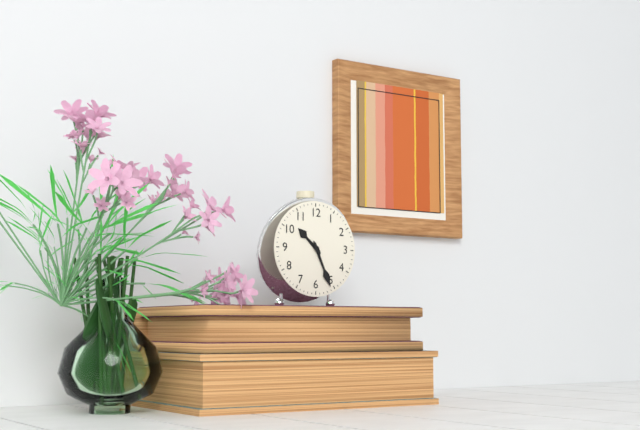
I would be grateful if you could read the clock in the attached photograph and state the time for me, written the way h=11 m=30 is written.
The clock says h=10 m=26
